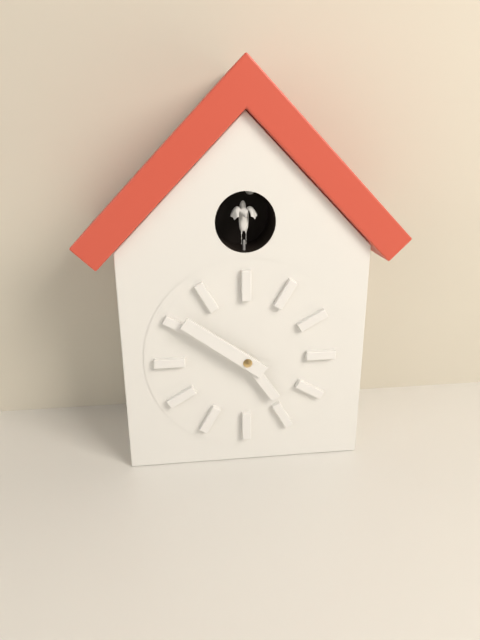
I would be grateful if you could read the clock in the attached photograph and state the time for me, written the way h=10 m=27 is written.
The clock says h=4 m=51
